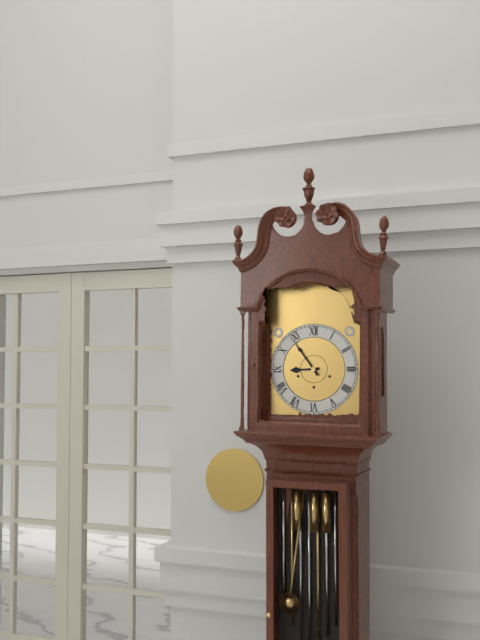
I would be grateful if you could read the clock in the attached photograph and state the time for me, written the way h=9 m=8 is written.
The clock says h=8 m=54
